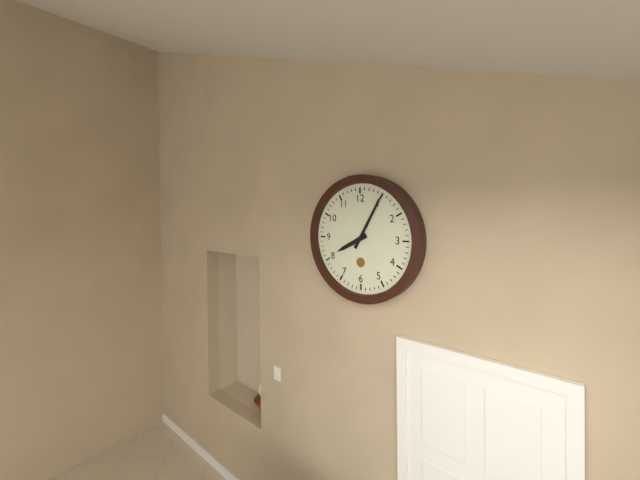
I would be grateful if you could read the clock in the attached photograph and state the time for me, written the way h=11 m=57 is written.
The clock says h=8 m=5
